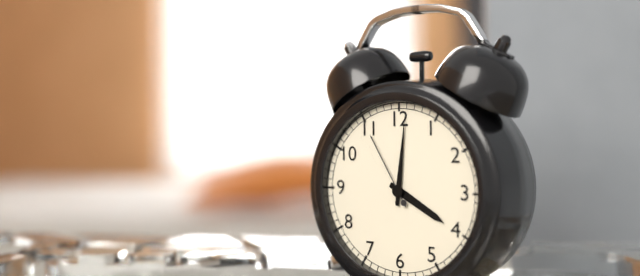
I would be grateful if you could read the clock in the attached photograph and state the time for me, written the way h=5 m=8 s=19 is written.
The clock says h=4 m=1 s=55
